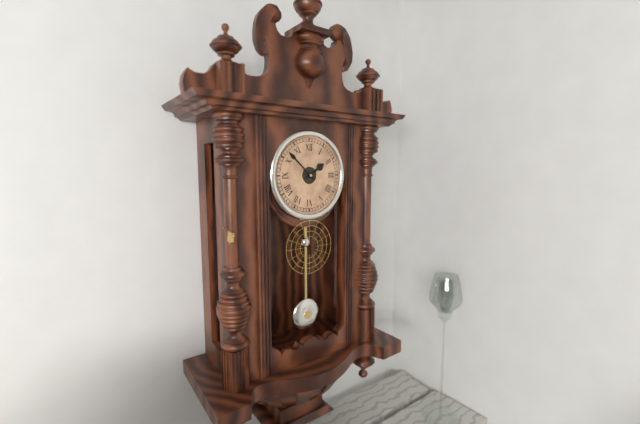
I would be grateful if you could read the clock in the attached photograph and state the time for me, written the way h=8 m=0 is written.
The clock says h=1 m=52
